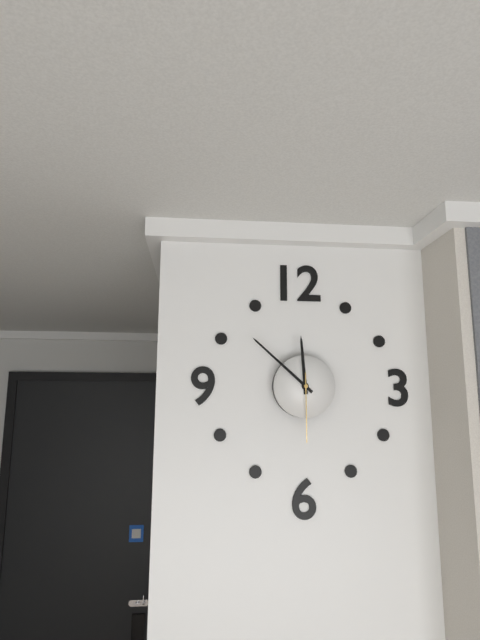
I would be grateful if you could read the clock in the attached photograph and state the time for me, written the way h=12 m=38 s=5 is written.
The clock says h=11 m=52 s=30
